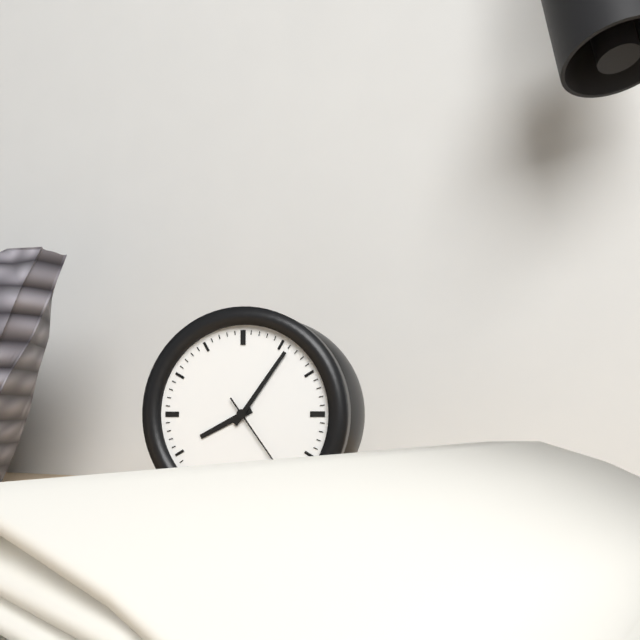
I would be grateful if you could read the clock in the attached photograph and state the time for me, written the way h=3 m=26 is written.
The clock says h=8 m=6
